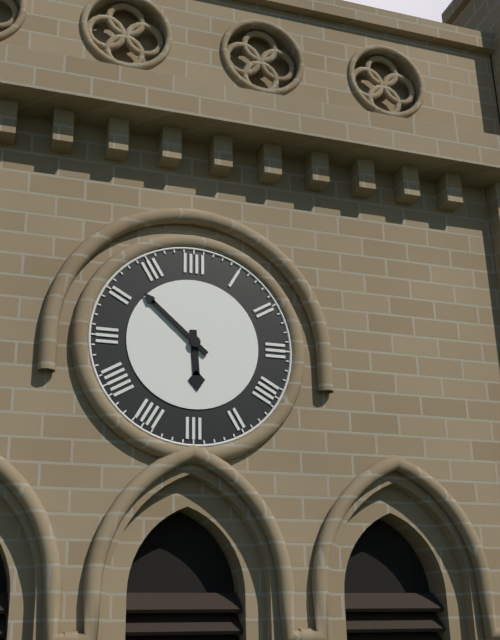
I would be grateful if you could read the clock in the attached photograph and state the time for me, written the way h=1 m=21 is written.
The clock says h=5 m=52
